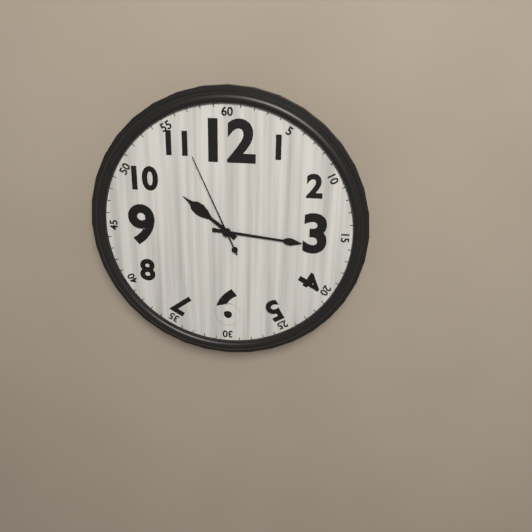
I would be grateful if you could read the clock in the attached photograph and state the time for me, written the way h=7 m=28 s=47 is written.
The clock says h=10 m=16 s=56
